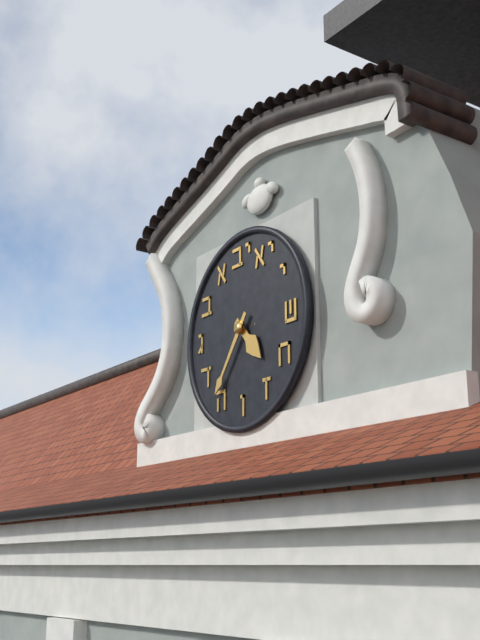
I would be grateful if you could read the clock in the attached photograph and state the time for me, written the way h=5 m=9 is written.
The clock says h=4 m=36
